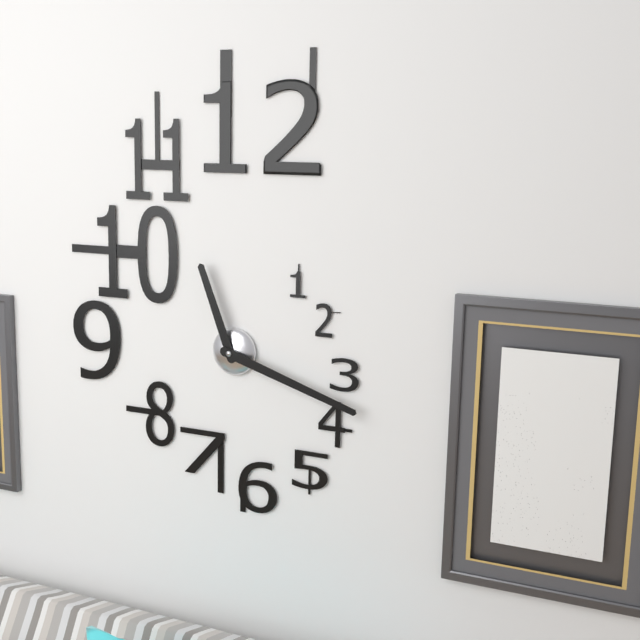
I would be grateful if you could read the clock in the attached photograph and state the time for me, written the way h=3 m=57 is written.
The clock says h=11 m=18
